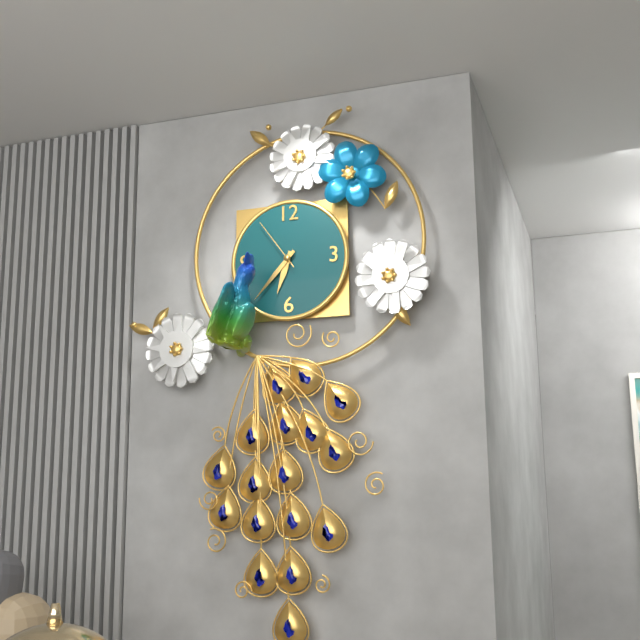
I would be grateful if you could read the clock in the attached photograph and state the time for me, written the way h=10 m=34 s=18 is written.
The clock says h=6 m=37 s=54
